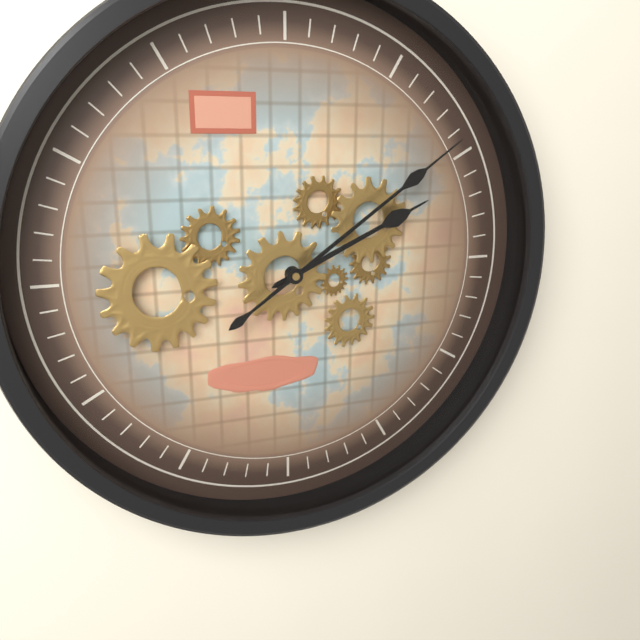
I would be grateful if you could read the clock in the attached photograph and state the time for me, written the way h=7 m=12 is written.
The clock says h=2 m=9
